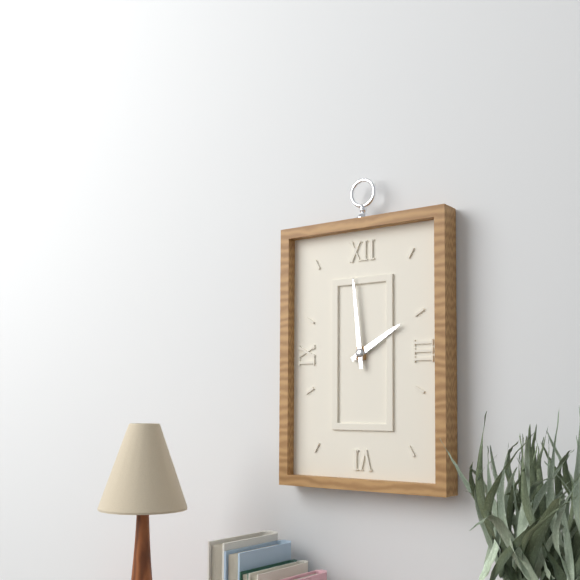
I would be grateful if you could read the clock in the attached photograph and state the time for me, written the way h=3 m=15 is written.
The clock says h=1 m=59
